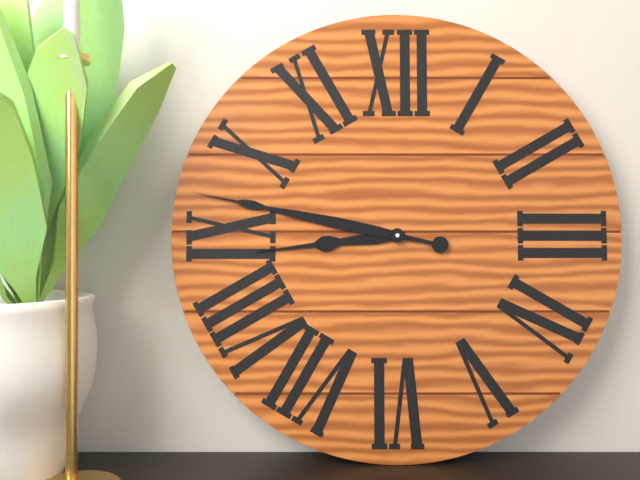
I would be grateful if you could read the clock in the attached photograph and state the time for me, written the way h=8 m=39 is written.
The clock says h=8 m=47
